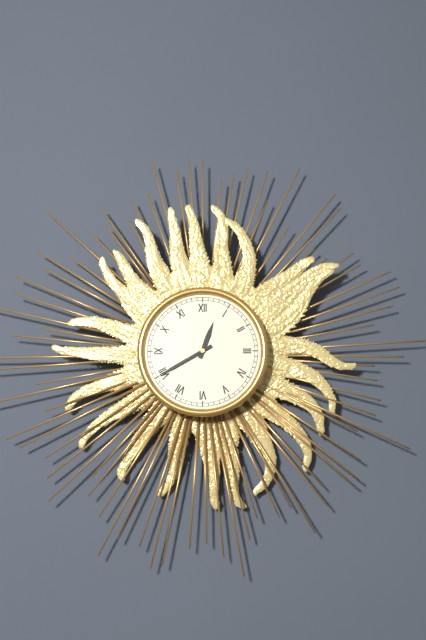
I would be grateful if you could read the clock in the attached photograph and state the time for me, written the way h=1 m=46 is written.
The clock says h=12 m=40
